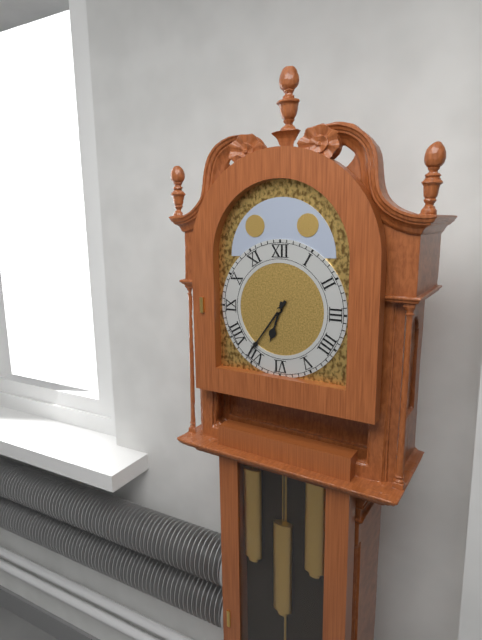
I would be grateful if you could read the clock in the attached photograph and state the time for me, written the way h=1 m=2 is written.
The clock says h=6 m=36
